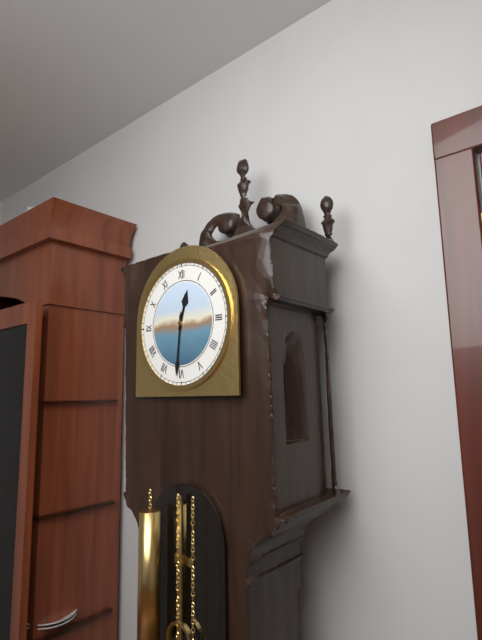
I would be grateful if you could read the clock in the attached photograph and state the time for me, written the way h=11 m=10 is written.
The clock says h=12 m=31
